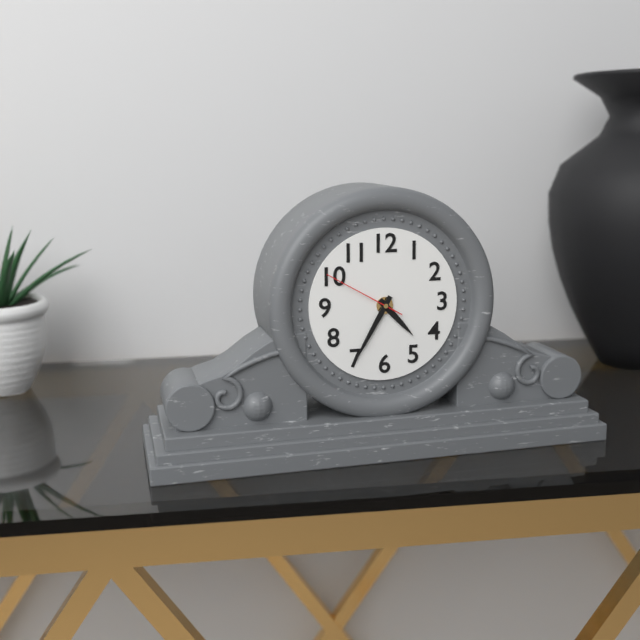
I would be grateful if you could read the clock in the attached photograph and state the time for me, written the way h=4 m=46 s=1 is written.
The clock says h=4 m=35 s=50
